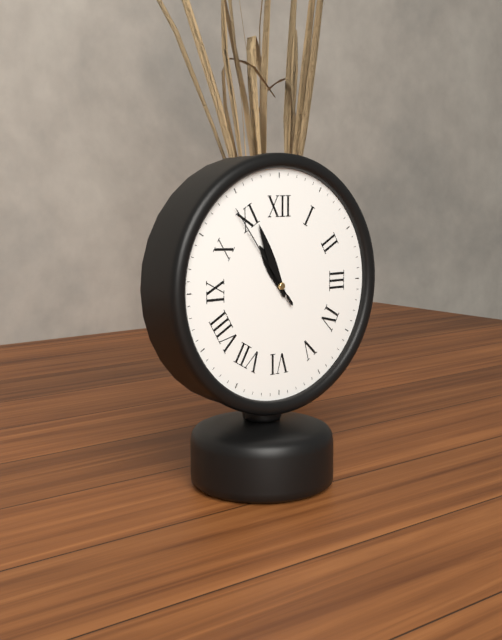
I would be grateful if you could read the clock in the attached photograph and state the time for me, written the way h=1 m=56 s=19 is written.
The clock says h=10 m=56 s=54
